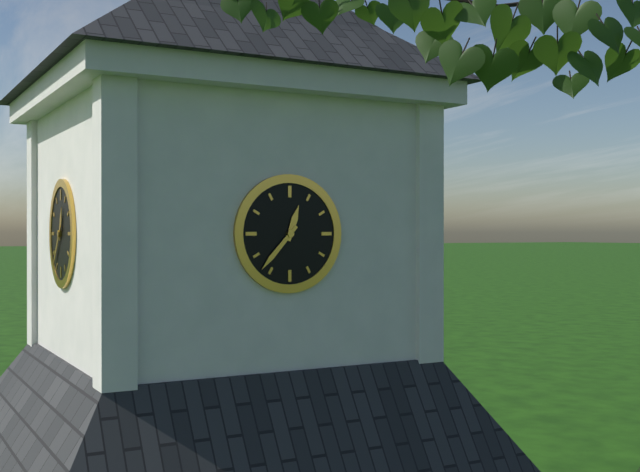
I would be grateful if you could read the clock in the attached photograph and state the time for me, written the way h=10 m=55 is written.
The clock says h=12 m=37
